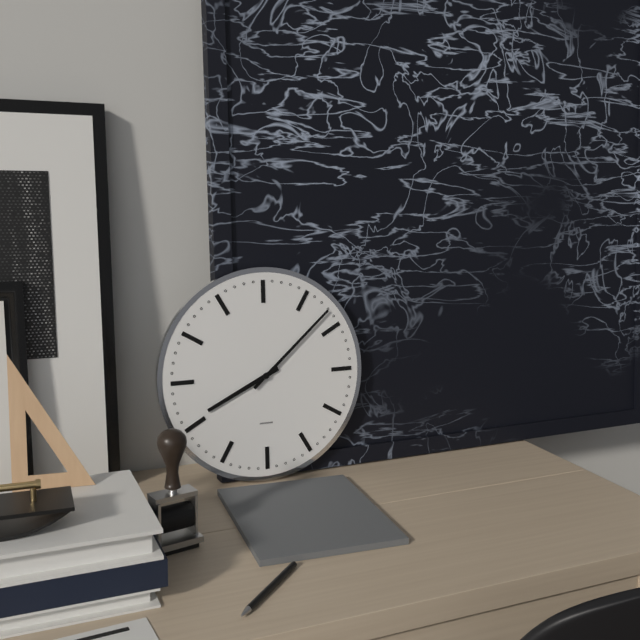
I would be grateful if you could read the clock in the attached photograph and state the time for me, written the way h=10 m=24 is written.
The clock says h=8 m=8
